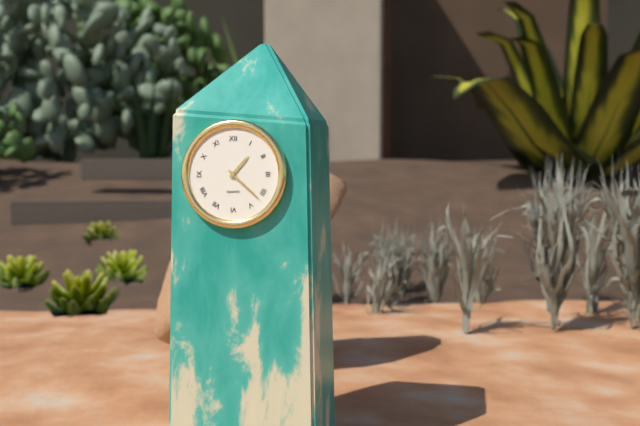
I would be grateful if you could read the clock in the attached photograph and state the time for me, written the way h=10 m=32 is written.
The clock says h=1 m=22
